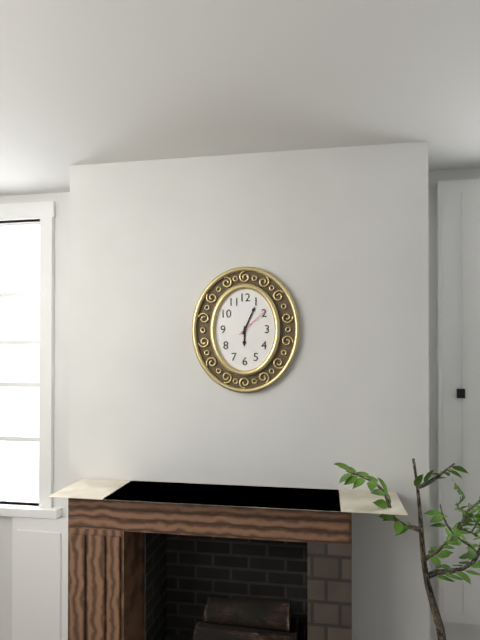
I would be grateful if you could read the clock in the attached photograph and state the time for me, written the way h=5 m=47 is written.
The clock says h=6 m=4
